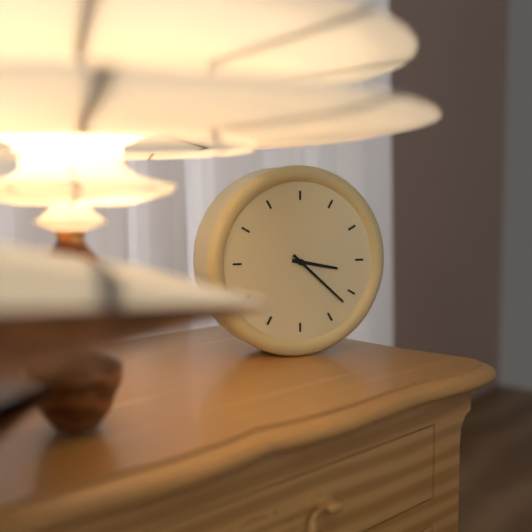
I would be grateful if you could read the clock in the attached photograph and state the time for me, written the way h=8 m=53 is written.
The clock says h=3 m=22
